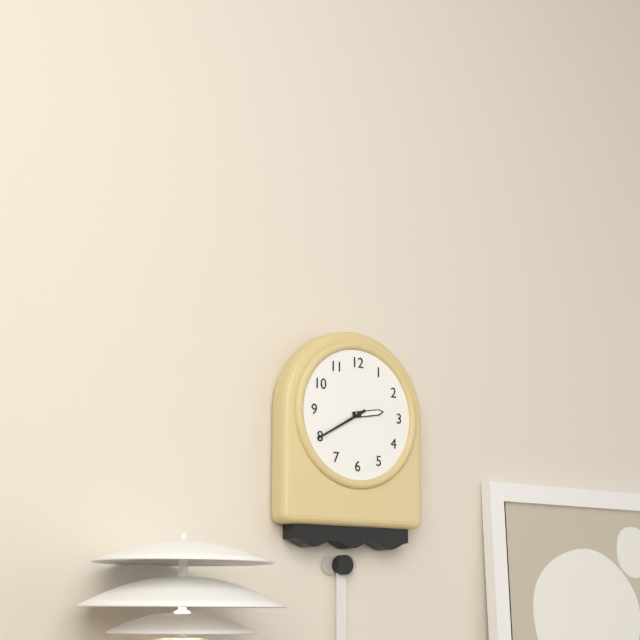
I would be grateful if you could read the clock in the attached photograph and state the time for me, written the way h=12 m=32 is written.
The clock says h=2 m=40
